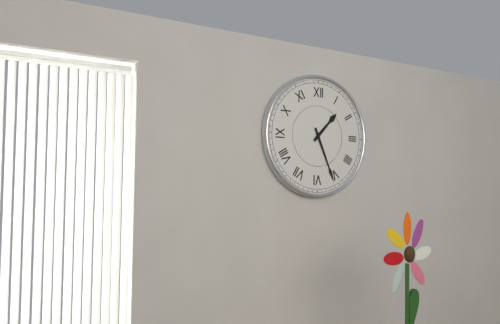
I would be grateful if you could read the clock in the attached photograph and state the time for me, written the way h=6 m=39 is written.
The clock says h=1 m=26
